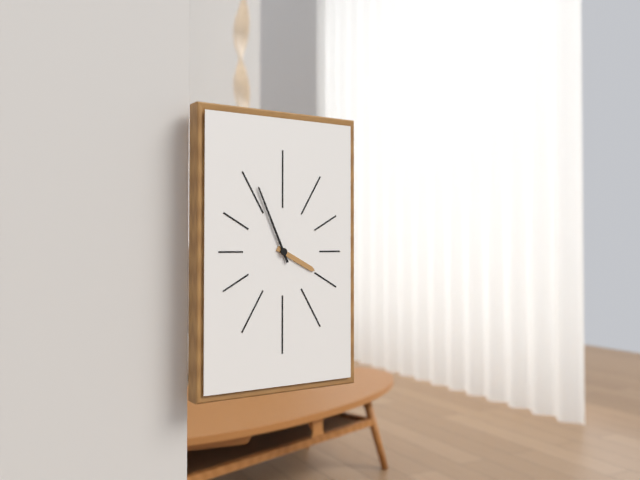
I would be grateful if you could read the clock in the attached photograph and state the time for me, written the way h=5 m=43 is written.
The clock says h=3 m=56
